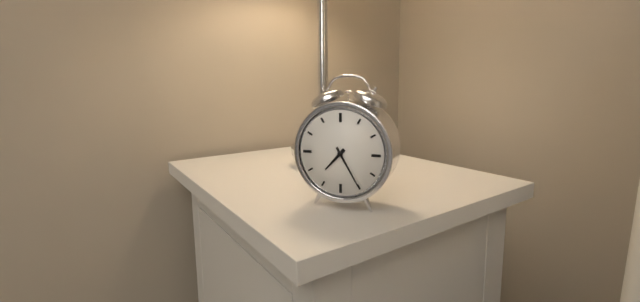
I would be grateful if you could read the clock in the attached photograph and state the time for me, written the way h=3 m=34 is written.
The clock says h=7 m=25
